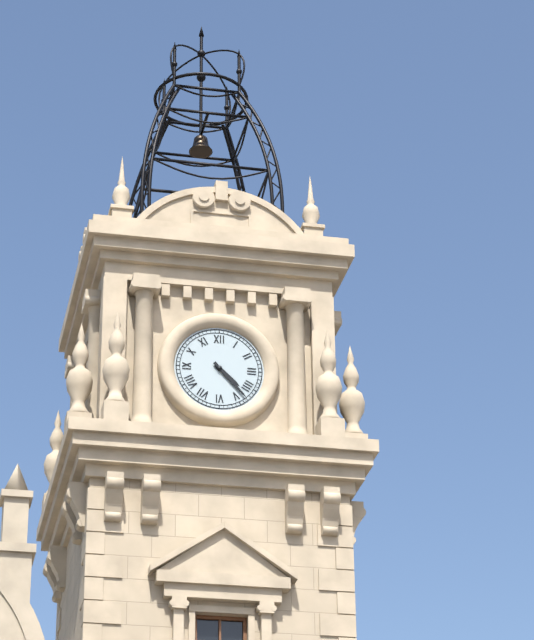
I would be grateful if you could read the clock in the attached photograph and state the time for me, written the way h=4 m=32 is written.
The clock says h=4 m=23
